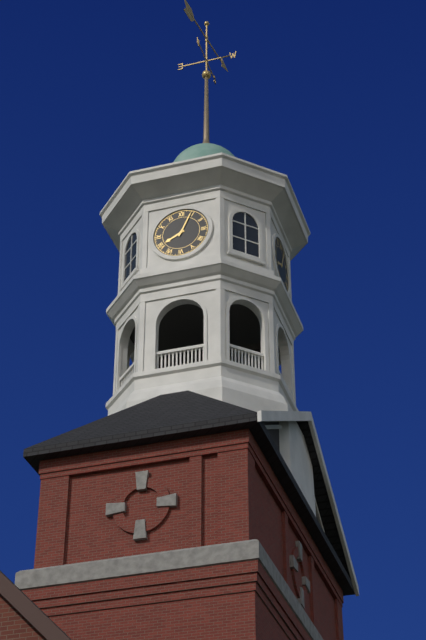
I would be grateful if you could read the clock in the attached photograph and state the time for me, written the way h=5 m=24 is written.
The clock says h=8 m=4
